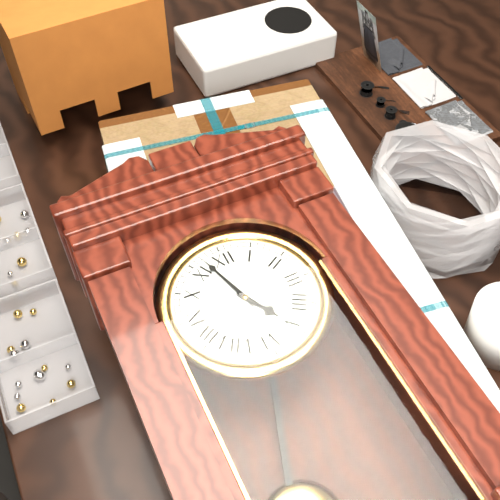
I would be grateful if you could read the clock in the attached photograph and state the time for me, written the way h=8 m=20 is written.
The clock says h=4 m=57
